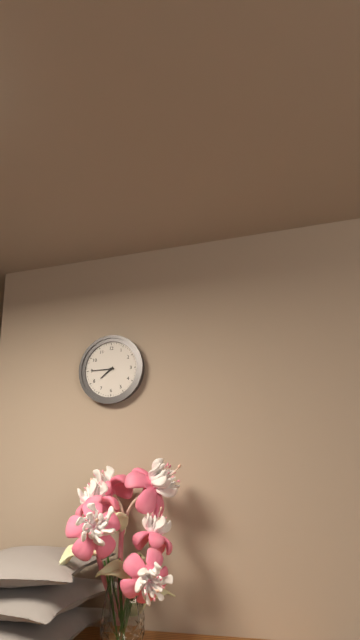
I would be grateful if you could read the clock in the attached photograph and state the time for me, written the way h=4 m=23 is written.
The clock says h=7 m=45
